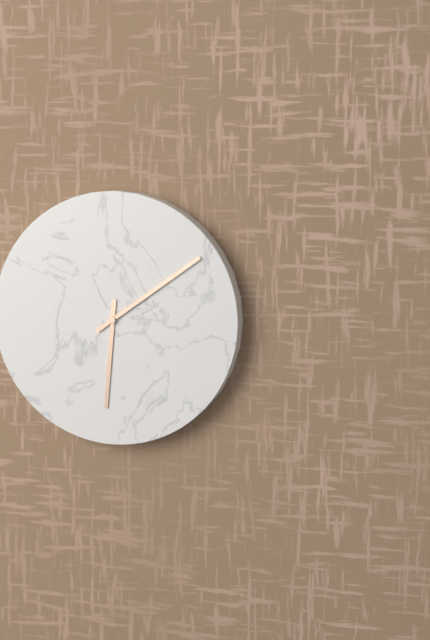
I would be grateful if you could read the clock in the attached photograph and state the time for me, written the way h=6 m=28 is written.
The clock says h=6 m=9
